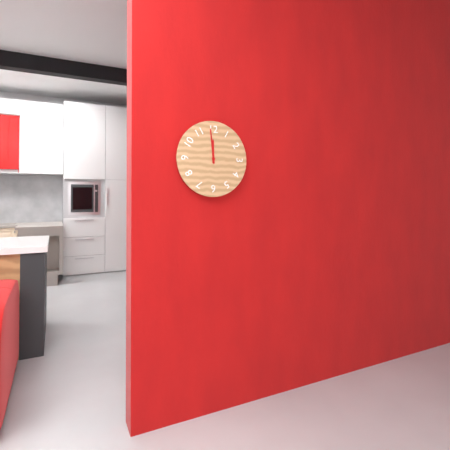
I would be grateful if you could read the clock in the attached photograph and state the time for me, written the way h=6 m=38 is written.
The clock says h=11 m=59
